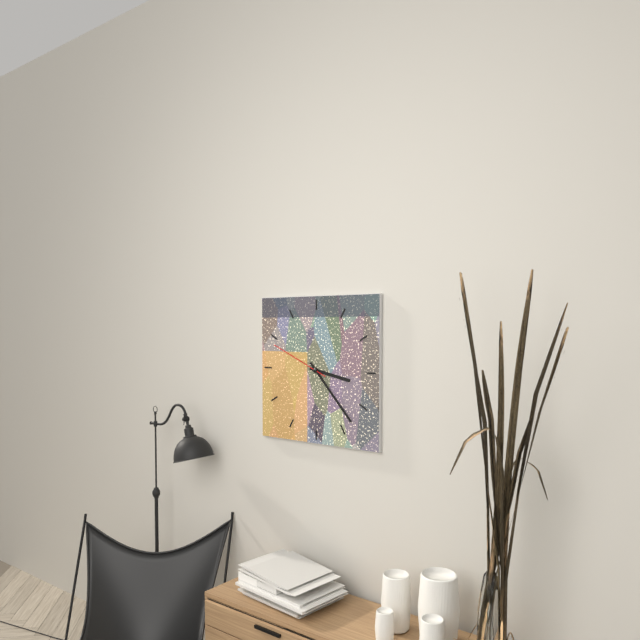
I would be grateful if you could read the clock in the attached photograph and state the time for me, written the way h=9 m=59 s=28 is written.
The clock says h=3 m=23 s=49
